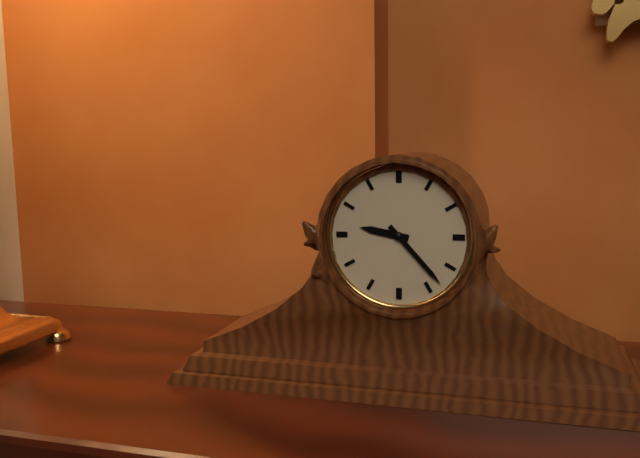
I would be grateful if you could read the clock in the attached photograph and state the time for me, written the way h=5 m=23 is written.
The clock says h=9 m=23
